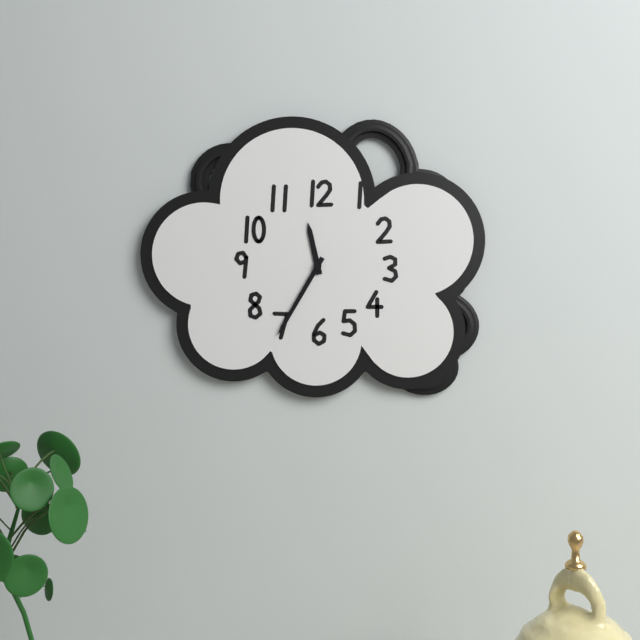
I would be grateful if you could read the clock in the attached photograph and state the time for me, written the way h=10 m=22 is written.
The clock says h=11 m=35
